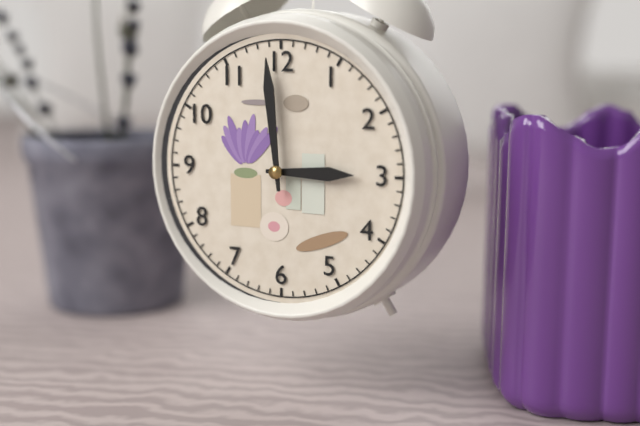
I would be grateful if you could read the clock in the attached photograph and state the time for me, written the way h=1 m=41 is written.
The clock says h=2 m=59
